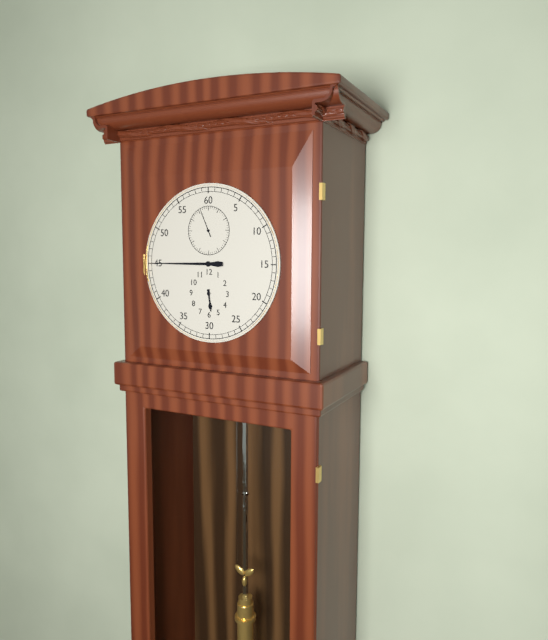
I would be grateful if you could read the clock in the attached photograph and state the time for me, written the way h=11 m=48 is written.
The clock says h=5 m=45
